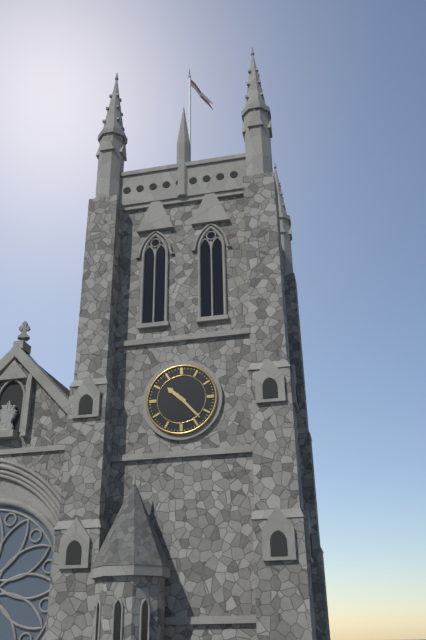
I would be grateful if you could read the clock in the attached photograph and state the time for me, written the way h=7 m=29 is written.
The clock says h=10 m=23
